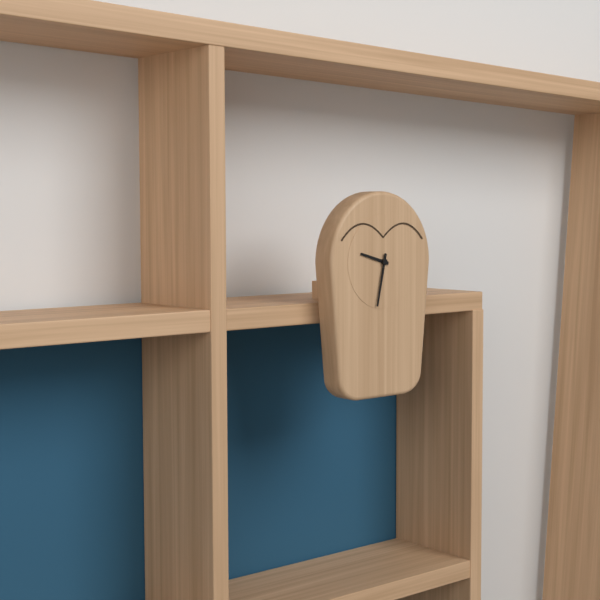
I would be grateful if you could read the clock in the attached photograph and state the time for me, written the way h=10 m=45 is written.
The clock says h=9 m=32
